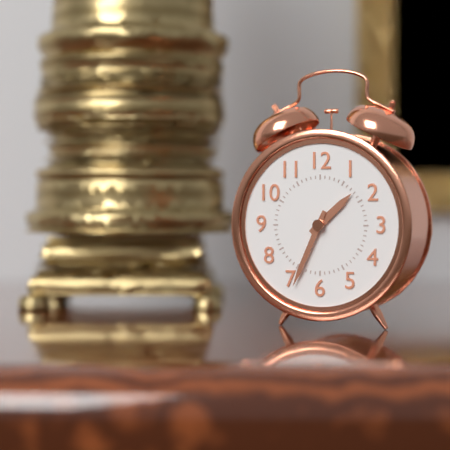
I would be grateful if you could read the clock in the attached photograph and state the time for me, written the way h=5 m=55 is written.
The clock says h=1 m=34
